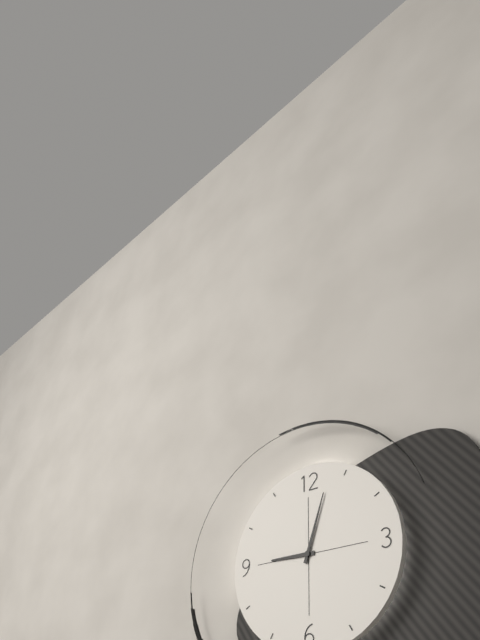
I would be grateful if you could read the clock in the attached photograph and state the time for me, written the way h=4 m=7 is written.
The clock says h=9 m=3
